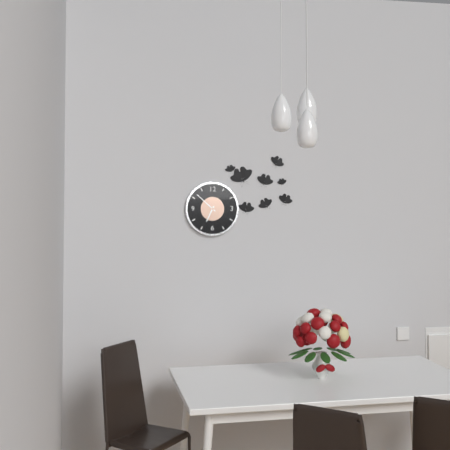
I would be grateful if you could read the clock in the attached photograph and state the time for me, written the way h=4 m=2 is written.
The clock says h=6 m=52
